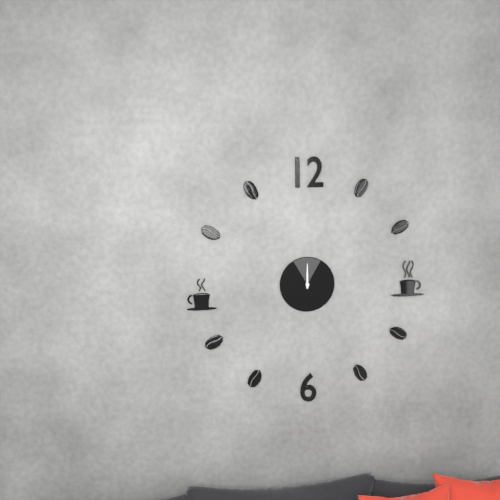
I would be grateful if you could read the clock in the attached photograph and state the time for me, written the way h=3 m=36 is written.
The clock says h=12 m=0
